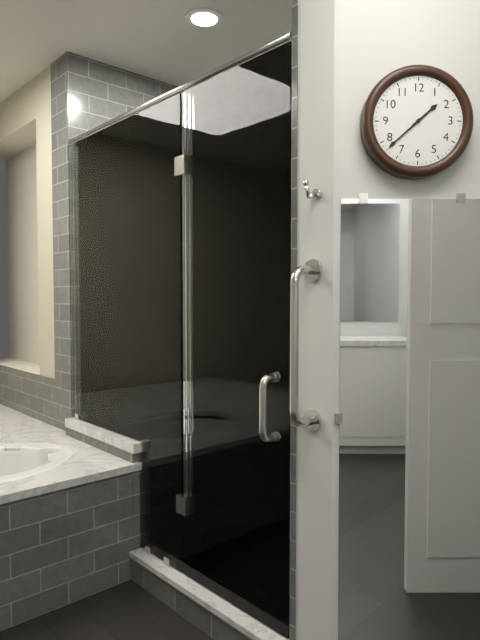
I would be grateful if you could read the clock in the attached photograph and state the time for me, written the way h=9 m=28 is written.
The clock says h=1 m=38
